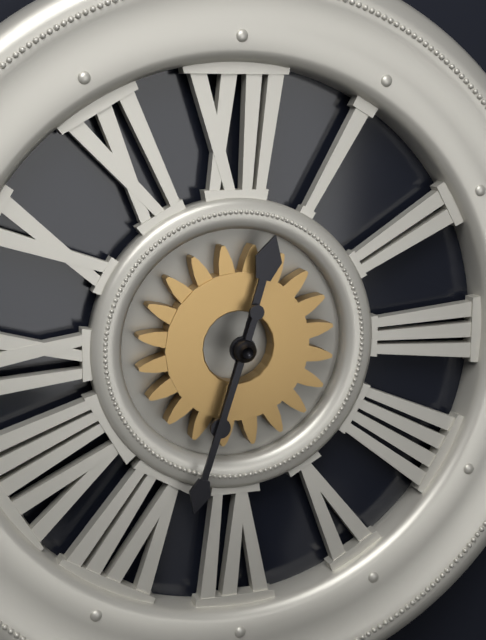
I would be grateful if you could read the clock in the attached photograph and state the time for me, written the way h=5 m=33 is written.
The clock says h=12 m=33
